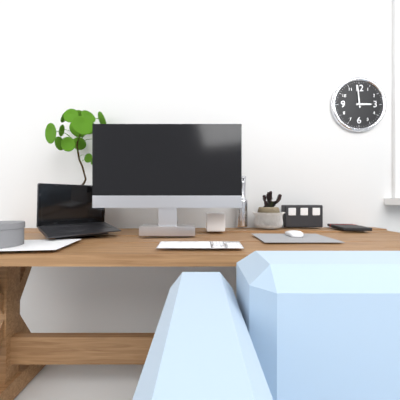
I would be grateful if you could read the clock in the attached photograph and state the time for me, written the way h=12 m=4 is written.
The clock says h=2 m=59
